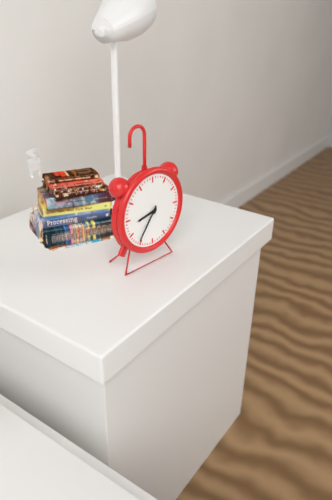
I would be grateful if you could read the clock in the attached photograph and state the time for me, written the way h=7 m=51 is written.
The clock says h=8 m=36
